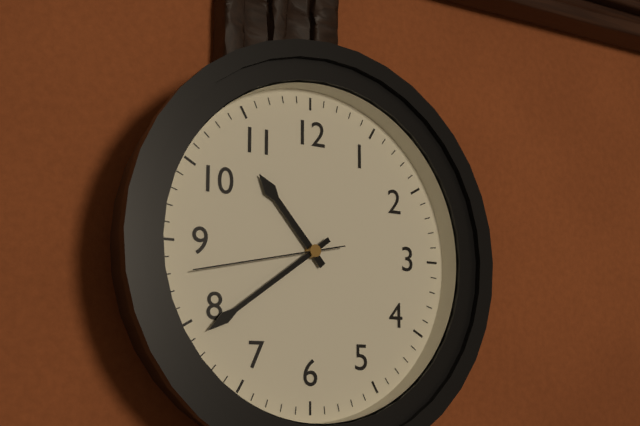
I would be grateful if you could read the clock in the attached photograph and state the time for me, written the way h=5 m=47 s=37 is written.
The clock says h=10 m=39 s=43
